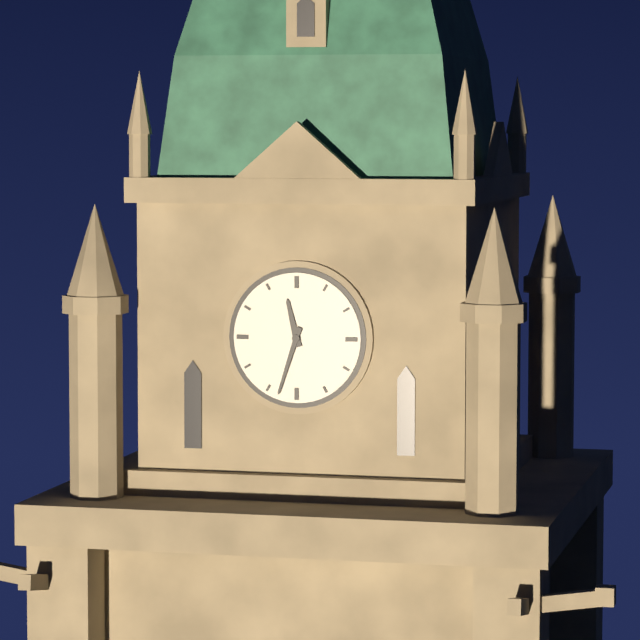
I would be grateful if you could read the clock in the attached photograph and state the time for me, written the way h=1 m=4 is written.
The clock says h=11 m=33
